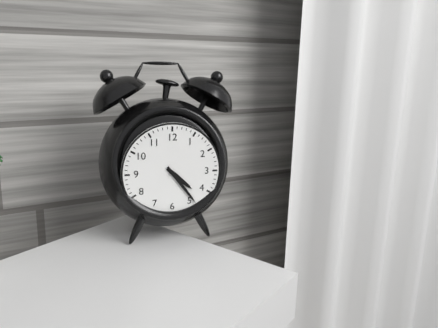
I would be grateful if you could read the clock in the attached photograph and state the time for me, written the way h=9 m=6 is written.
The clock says h=4 m=24
